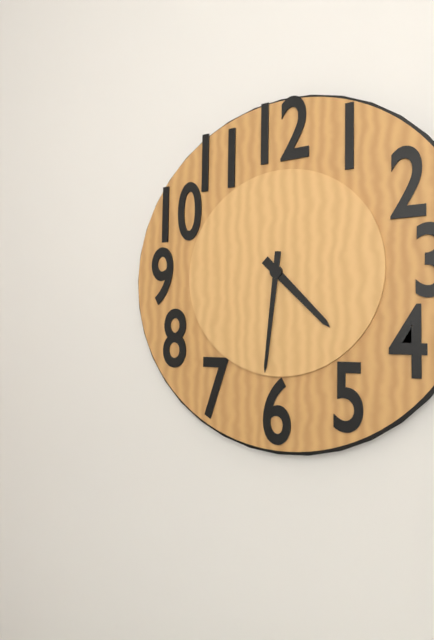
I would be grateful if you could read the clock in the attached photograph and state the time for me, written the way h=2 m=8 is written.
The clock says h=4 m=31
